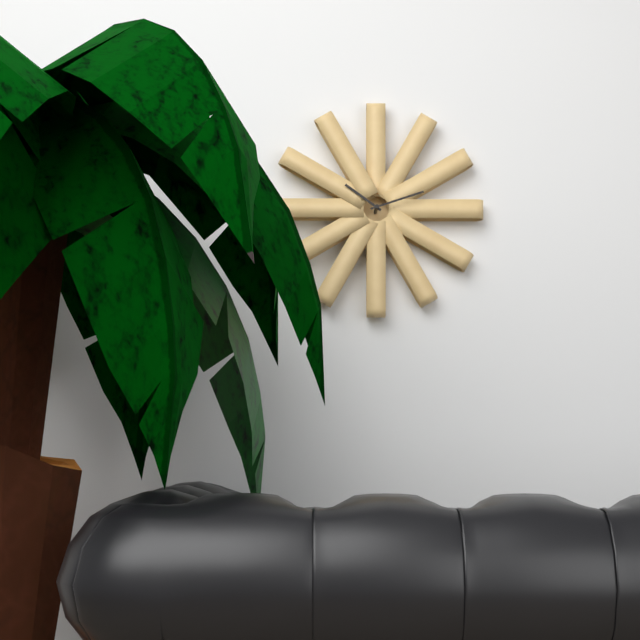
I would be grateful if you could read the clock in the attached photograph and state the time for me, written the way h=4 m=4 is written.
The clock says h=10 m=12
